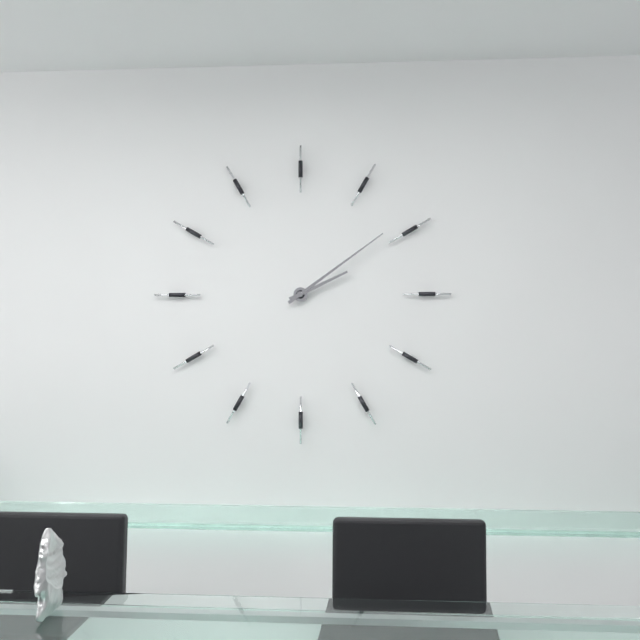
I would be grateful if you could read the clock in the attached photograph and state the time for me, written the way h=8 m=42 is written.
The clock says h=2 m=9
